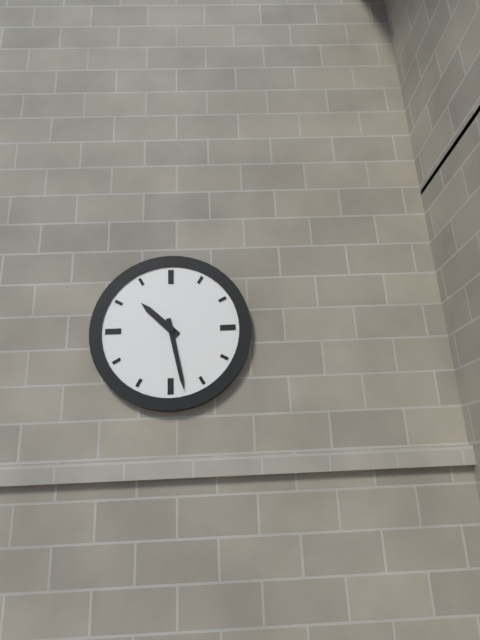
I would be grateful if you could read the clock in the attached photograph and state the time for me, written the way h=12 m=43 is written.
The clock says h=10 m=28
